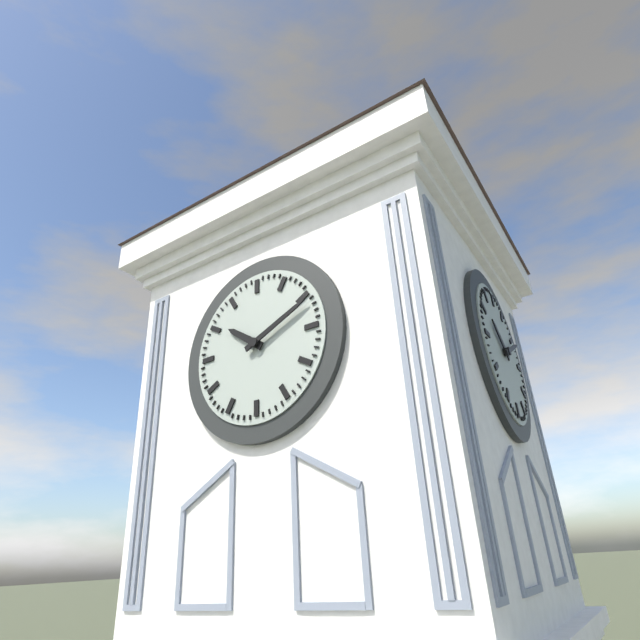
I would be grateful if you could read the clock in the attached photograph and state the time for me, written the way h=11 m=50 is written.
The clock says h=10 m=11
